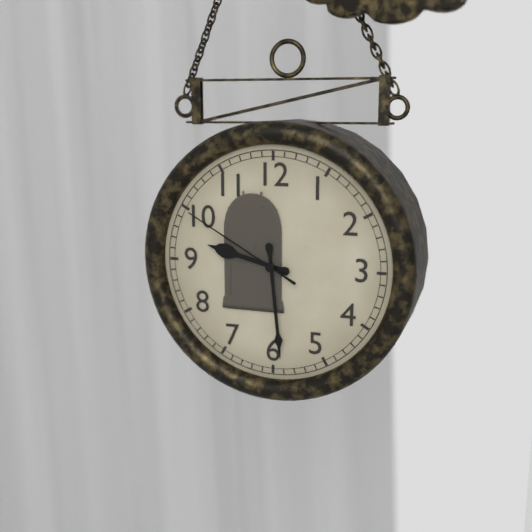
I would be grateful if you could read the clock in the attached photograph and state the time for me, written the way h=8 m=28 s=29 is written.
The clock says h=9 m=29 s=50
